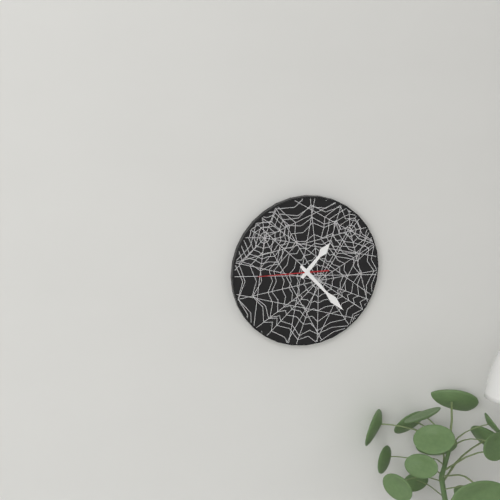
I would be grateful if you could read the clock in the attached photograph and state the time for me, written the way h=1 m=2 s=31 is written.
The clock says h=1 m=23 s=45
